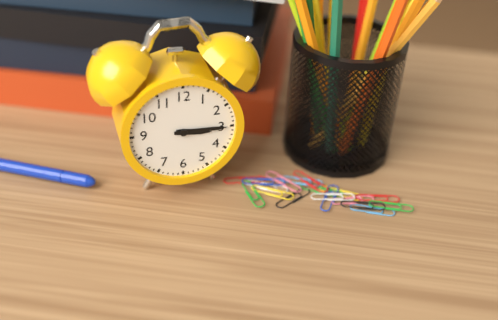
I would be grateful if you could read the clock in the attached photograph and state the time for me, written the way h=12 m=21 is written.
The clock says h=3 m=15
